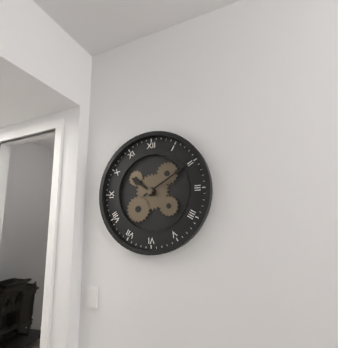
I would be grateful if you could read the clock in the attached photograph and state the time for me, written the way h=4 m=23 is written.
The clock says h=10 m=10
